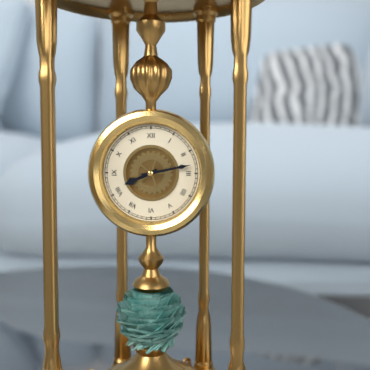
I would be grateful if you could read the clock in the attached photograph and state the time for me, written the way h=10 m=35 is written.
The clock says h=8 m=13
